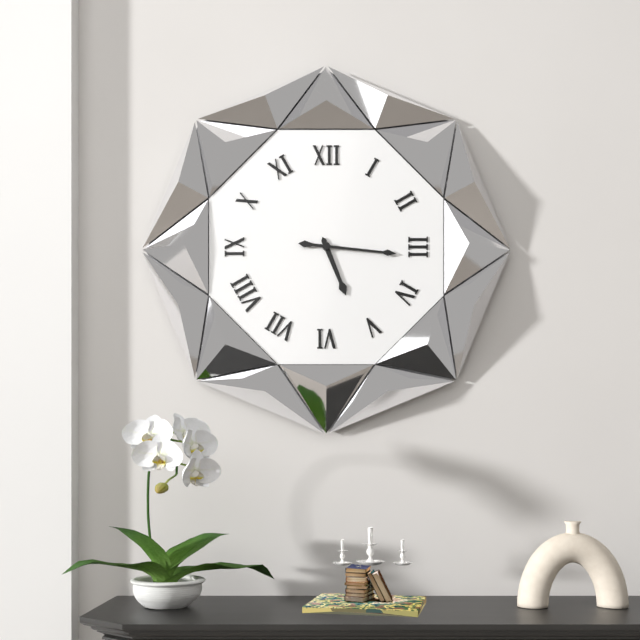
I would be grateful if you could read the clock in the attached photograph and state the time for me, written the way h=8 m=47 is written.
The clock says h=5 m=16
